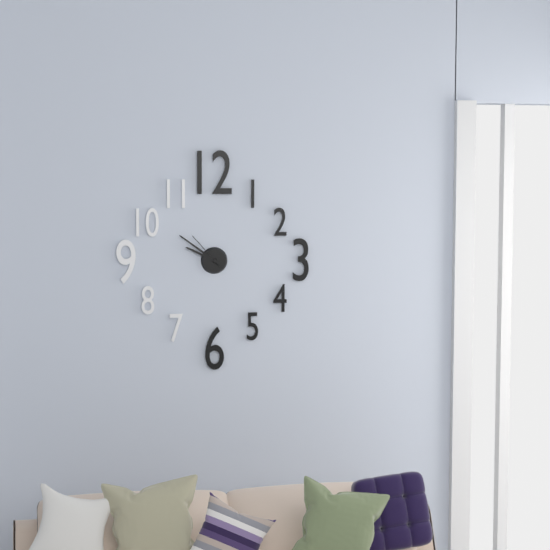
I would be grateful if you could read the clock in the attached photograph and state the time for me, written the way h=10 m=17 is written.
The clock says h=9 m=51
